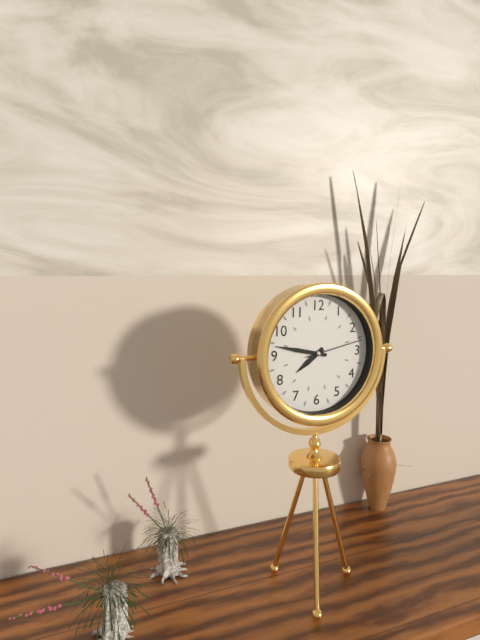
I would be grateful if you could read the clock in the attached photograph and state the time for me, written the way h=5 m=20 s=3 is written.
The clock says h=7 m=47 s=13
